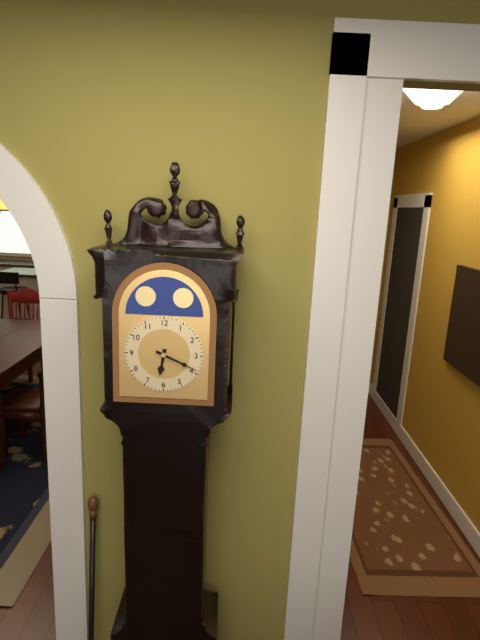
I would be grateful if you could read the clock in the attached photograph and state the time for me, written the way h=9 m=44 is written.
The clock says h=6 m=19
